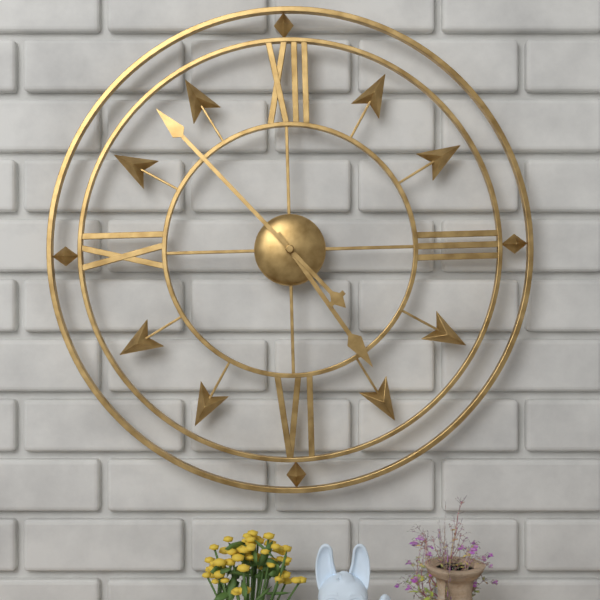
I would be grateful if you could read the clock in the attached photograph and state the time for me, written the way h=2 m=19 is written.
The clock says h=4 m=53
